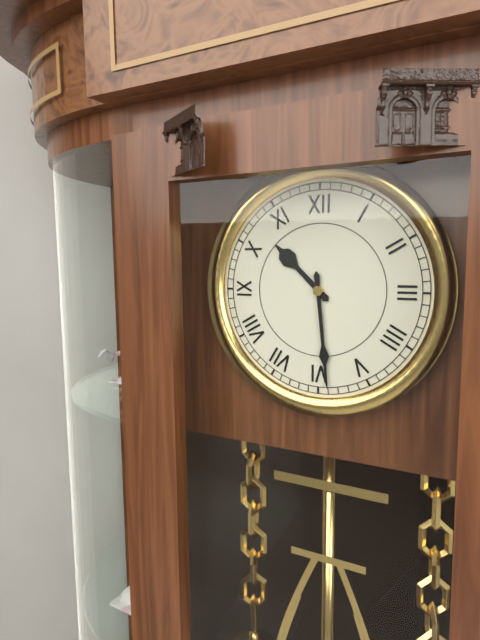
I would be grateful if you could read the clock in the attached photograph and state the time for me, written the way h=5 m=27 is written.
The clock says h=10 m=29
